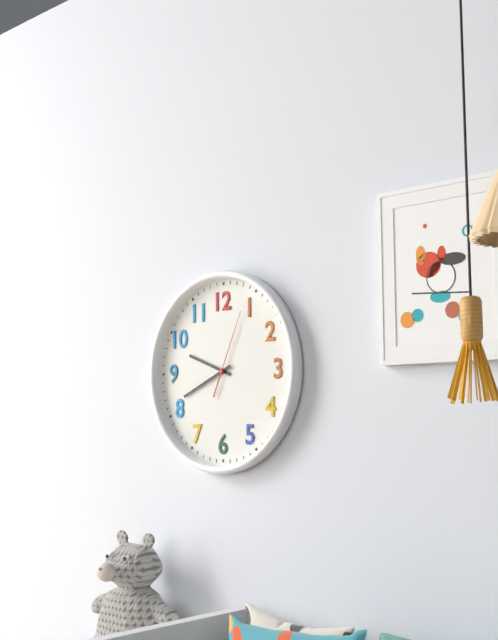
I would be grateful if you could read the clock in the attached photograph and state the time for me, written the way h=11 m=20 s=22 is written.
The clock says h=9 m=41 s=4
